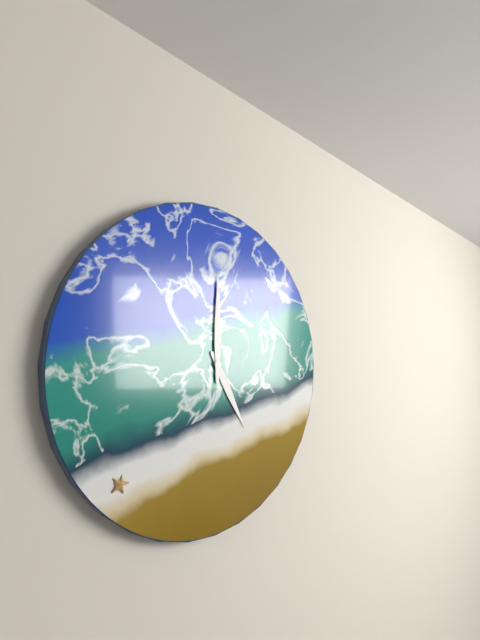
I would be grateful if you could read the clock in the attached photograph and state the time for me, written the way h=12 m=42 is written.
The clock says h=5 m=0
